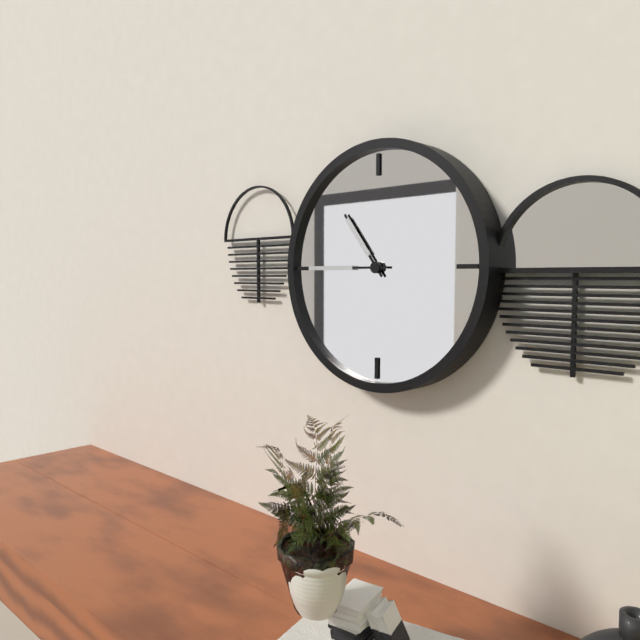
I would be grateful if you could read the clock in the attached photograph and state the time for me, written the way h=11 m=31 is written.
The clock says h=10 m=45
